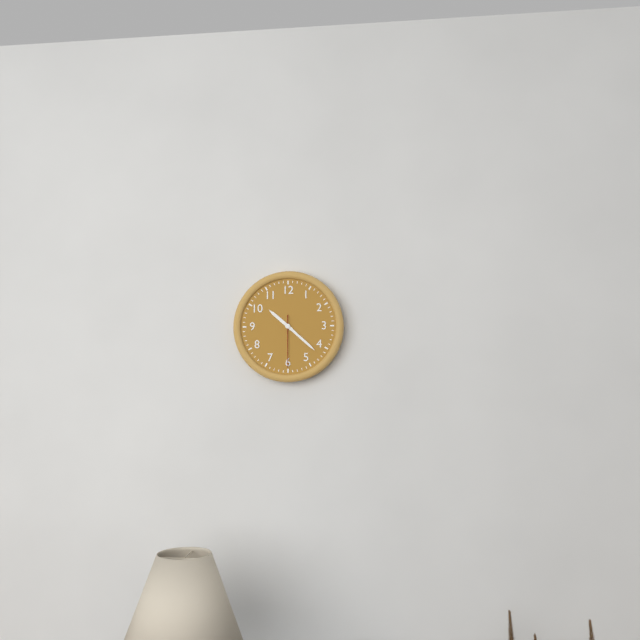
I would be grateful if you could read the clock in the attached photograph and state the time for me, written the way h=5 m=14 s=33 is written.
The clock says h=10 m=22 s=30
